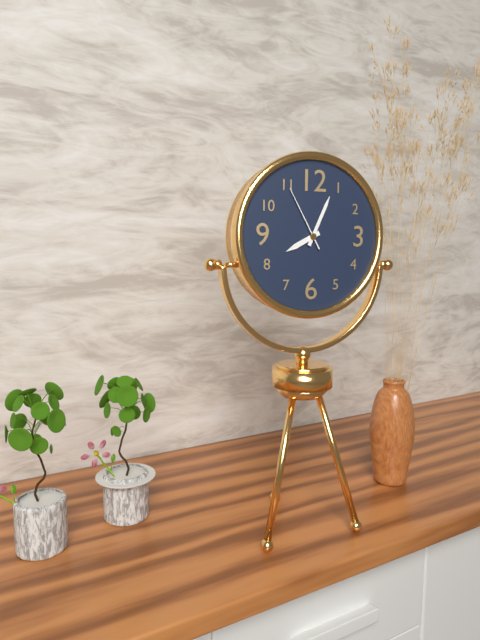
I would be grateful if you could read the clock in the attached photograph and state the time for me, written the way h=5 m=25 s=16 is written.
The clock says h=8 m=4 s=55
